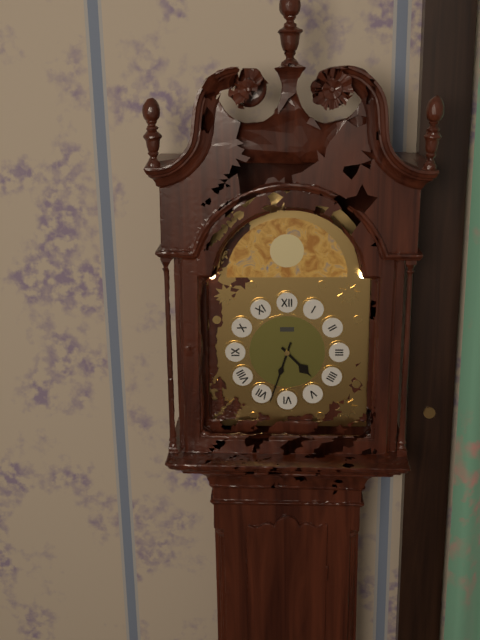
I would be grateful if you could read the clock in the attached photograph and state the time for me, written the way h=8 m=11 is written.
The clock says h=4 m=33
